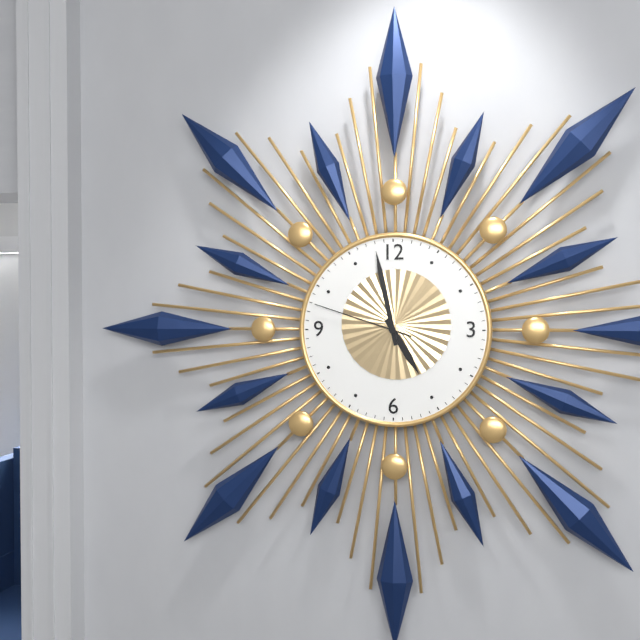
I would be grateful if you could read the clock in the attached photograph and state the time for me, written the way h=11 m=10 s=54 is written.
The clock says h=4 m=58 s=48
